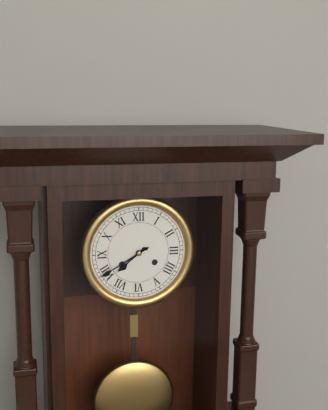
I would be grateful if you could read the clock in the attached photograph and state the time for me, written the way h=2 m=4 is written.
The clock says h=7 m=40
